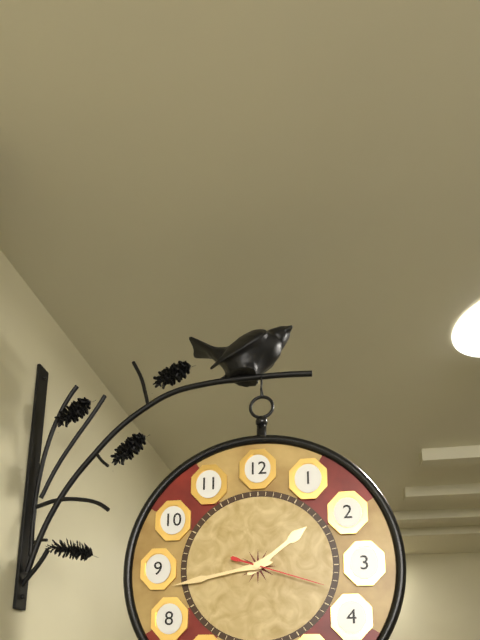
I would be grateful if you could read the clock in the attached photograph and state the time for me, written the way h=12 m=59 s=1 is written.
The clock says h=1 m=43 s=18
